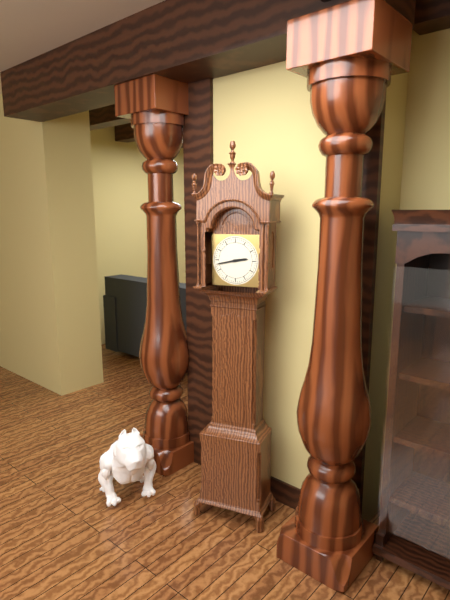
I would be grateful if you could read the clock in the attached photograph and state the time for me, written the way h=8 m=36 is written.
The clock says h=2 m=43
